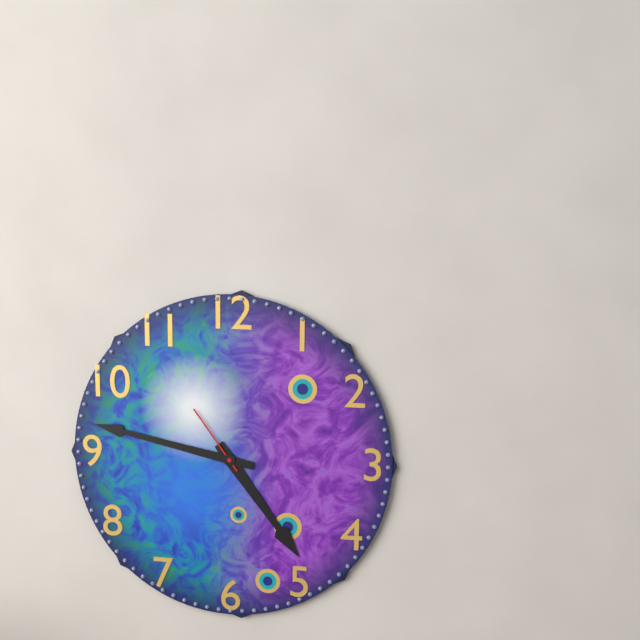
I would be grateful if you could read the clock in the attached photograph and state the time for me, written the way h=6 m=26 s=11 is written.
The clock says h=4 m=47 s=54
